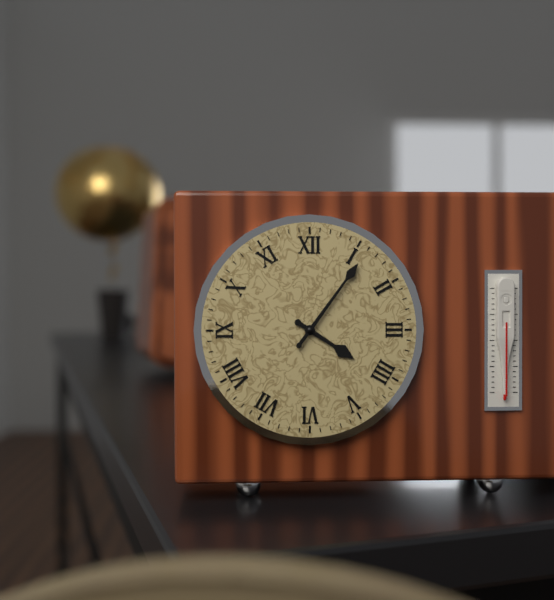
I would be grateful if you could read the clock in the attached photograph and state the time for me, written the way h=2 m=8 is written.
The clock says h=4 m=6
